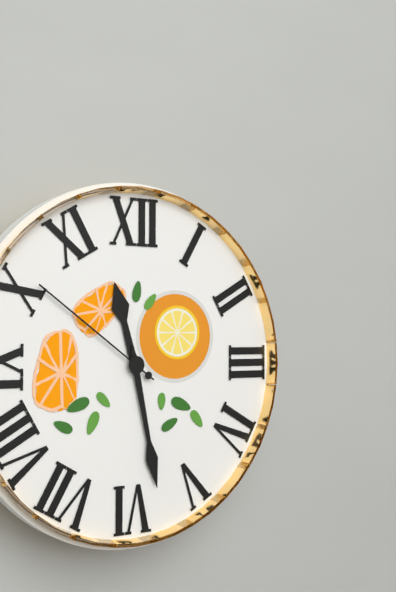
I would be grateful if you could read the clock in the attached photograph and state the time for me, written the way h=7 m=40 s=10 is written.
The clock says h=11 m=28 s=51
